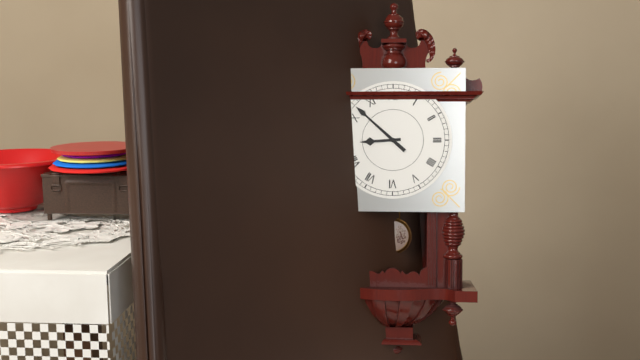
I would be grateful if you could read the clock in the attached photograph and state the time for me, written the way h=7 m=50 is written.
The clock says h=8 m=52
